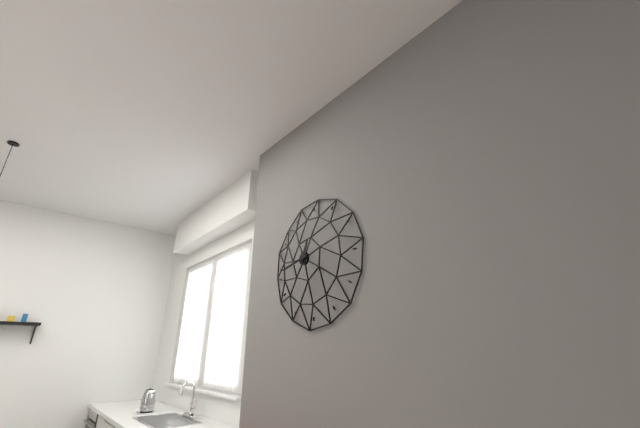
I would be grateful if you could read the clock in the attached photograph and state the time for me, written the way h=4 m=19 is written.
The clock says h=12 m=43
